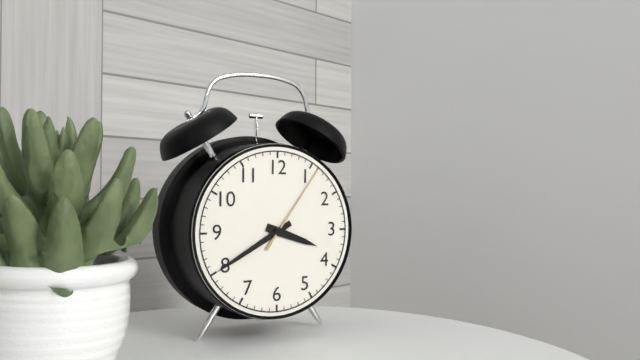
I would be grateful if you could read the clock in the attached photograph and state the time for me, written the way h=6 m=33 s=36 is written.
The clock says h=3 m=40 s=6
